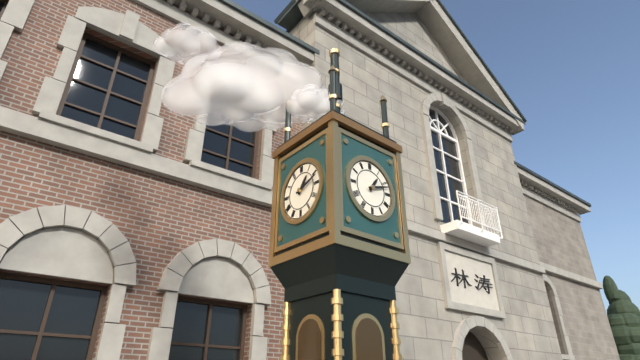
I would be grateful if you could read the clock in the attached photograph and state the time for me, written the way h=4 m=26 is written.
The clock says h=1 m=12
